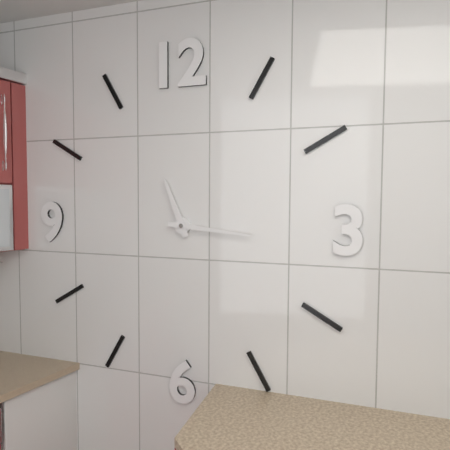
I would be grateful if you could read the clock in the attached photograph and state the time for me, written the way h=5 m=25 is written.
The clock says h=11 m=16
